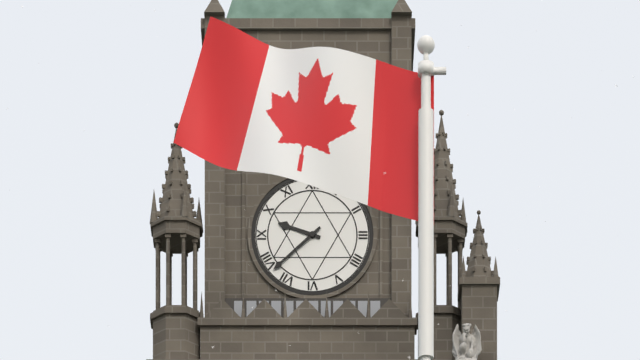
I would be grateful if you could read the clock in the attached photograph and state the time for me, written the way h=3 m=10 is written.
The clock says h=9 m=38
